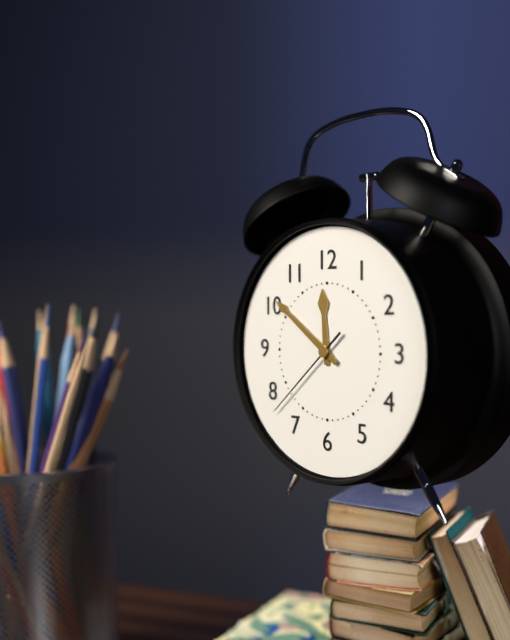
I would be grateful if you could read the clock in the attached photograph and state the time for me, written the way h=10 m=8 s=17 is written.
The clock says h=11 m=51 s=38
